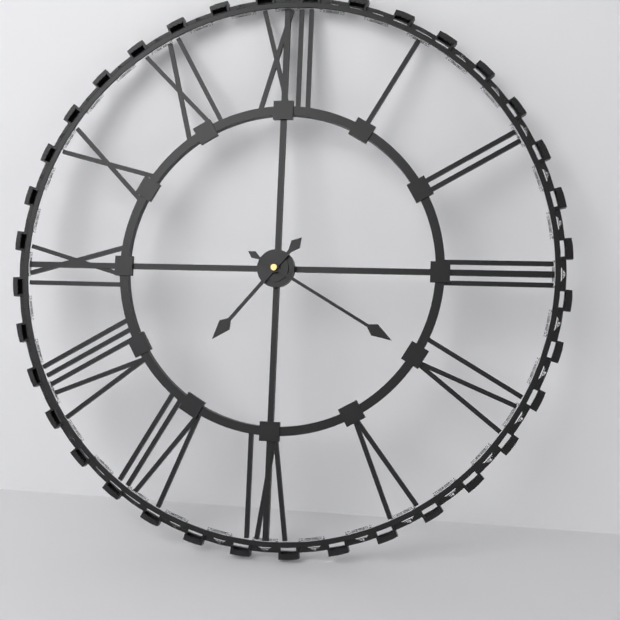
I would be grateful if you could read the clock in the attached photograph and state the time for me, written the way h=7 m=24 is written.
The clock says h=7 m=20
